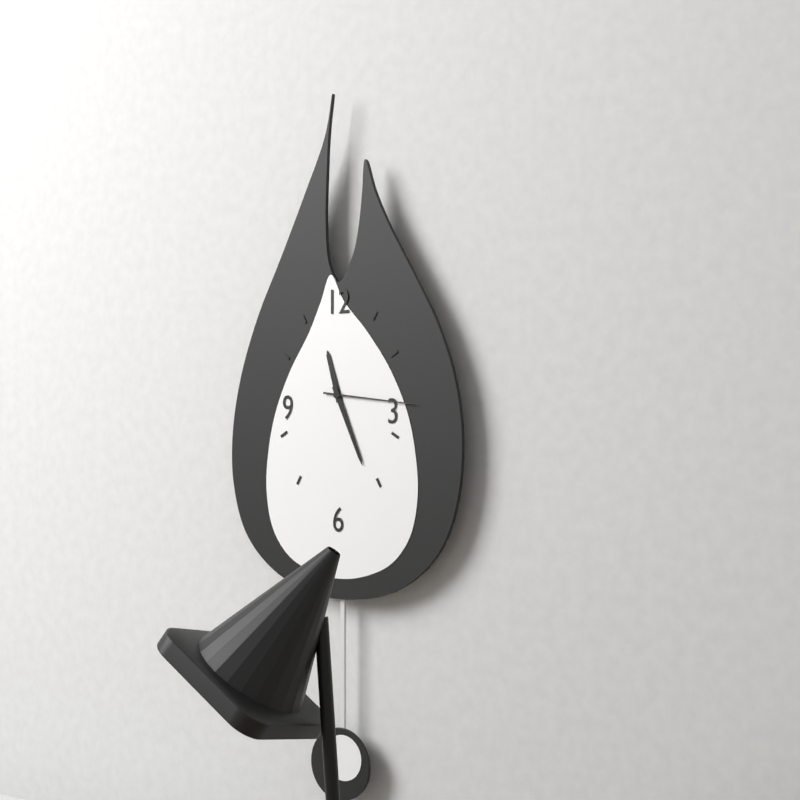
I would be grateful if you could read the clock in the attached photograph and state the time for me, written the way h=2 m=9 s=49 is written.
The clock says h=11 m=26 s=16
